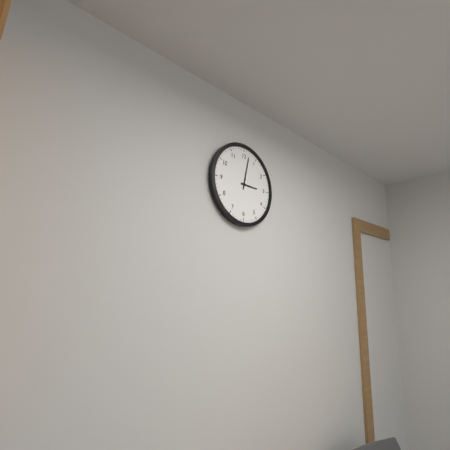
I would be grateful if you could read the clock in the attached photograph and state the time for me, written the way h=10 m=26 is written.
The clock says h=3 m=2
